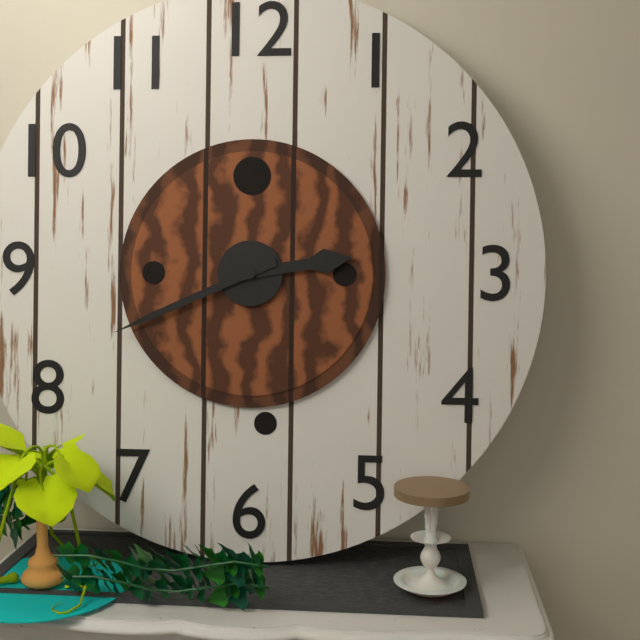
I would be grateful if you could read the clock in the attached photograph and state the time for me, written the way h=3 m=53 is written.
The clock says h=2 m=41
